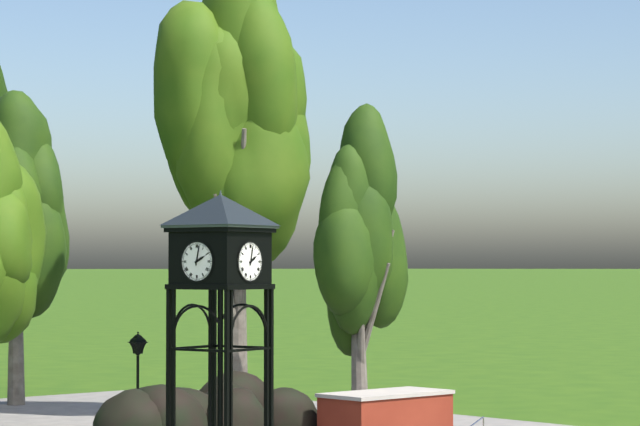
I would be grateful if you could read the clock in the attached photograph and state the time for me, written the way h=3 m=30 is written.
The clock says h=2 m=2
